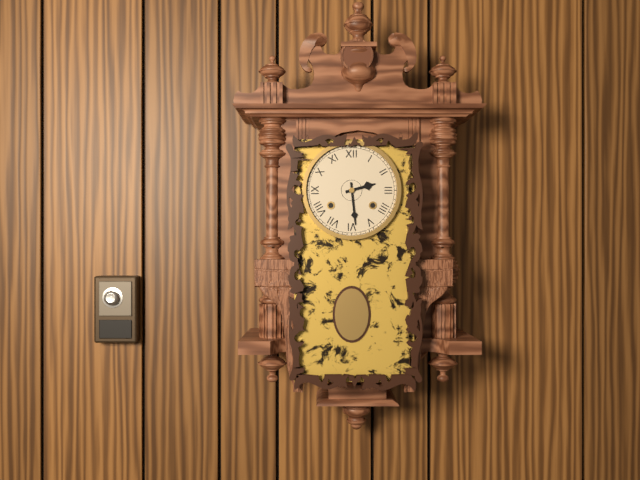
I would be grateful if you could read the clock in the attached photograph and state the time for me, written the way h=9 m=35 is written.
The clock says h=2 m=29
